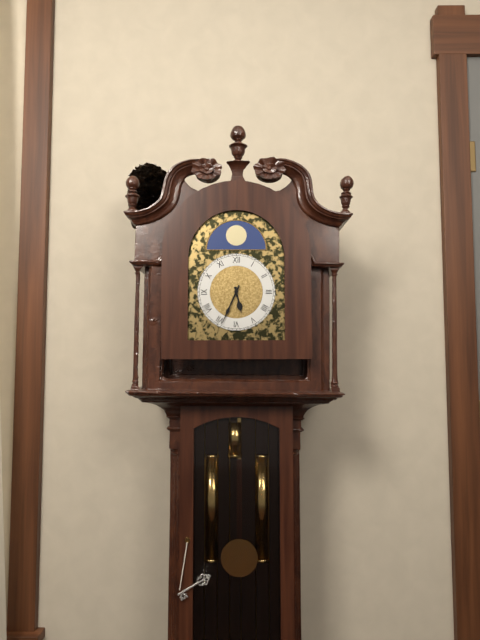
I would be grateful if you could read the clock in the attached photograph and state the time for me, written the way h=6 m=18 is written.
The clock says h=5 m=34
